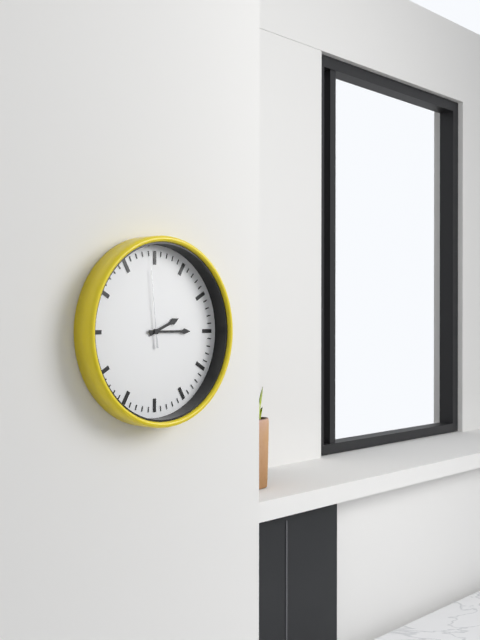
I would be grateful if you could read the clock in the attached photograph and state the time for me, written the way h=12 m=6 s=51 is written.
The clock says h=2 m=15 s=59
